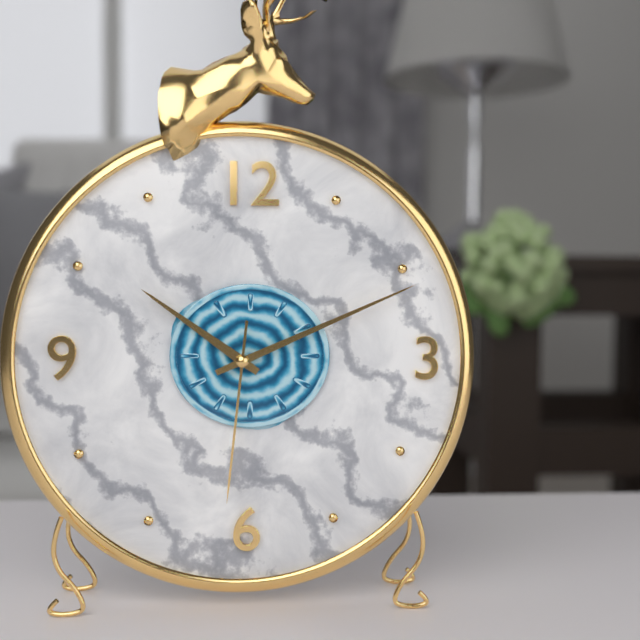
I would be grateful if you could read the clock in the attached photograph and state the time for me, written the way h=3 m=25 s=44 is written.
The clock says h=10 m=11 s=31
